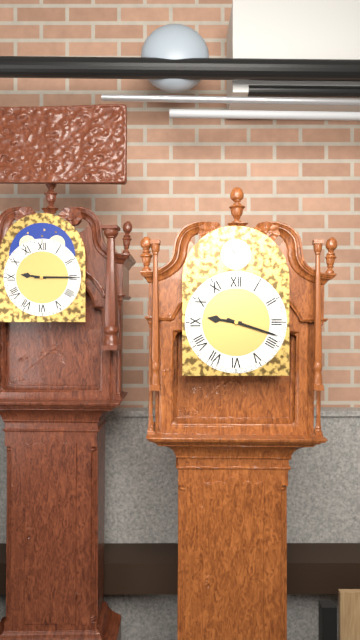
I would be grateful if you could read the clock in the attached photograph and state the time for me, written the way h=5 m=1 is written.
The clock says h=9 m=18
